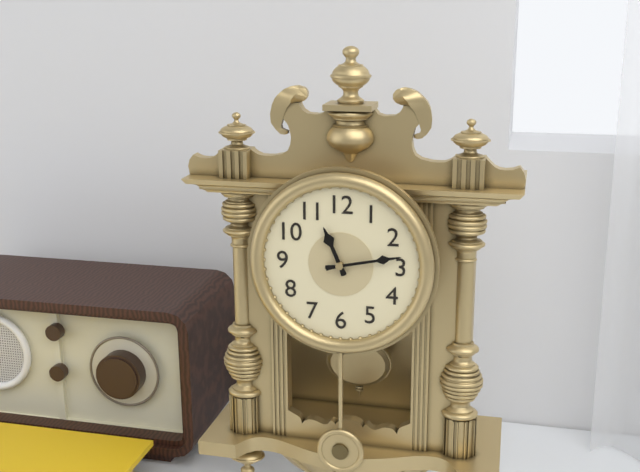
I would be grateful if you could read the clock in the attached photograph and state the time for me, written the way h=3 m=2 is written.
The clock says h=11 m=13
